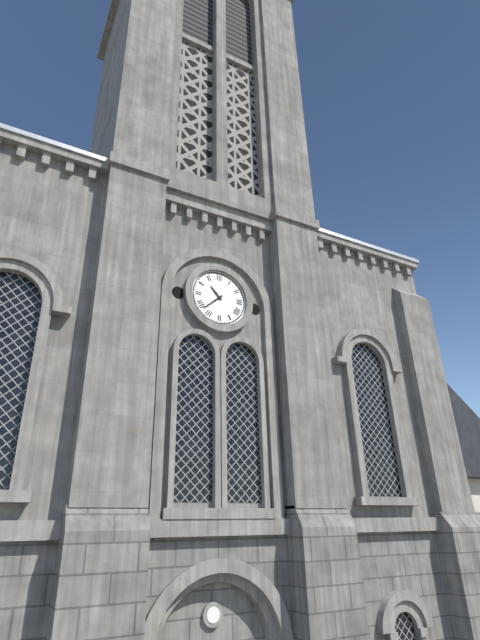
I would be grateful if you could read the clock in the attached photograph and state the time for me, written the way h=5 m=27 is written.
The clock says h=10 m=38
